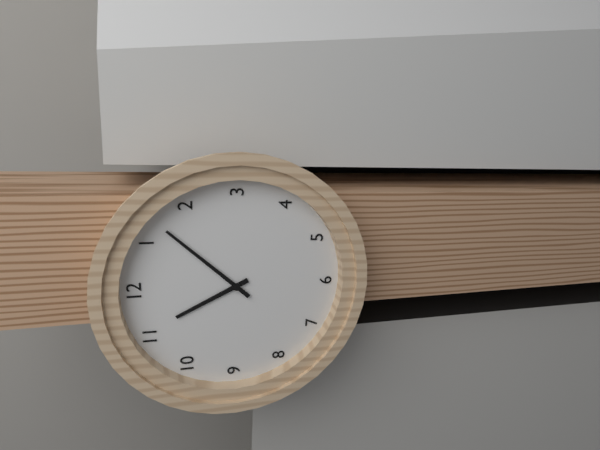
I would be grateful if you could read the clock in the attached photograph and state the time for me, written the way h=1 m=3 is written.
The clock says h=11 m=7
